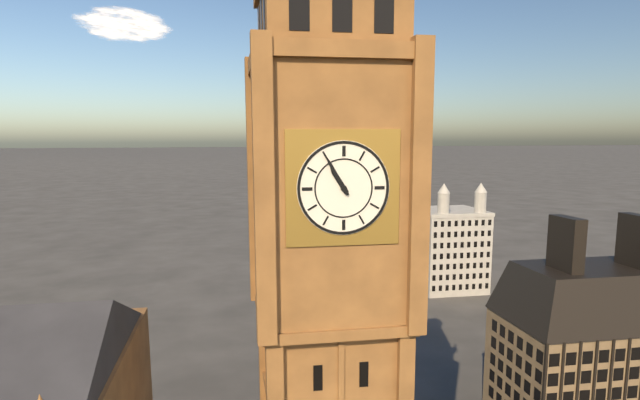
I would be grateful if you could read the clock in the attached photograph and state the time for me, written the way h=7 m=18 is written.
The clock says h=10 m=55
